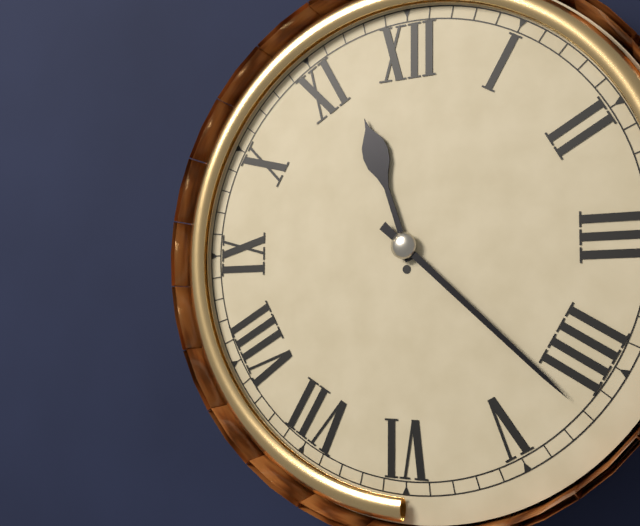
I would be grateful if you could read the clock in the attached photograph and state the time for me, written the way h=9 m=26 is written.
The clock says h=11 m=22
